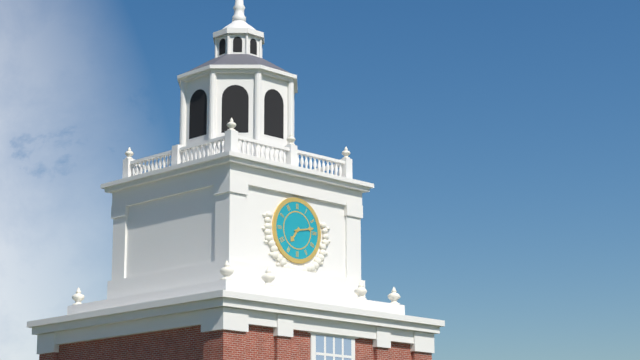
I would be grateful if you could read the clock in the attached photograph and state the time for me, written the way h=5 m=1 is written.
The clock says h=7 m=13
